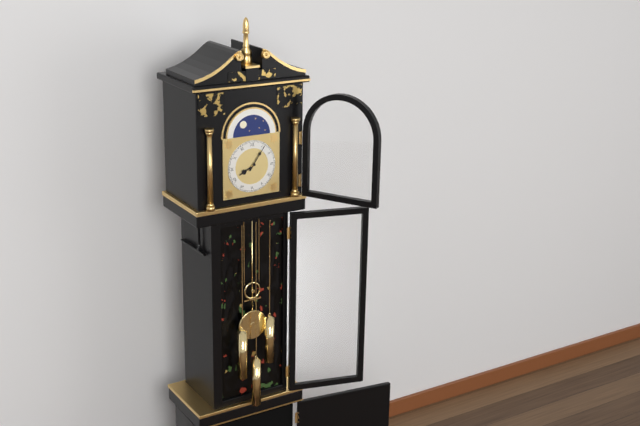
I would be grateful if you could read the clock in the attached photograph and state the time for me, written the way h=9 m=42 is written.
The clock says h=8 m=6
